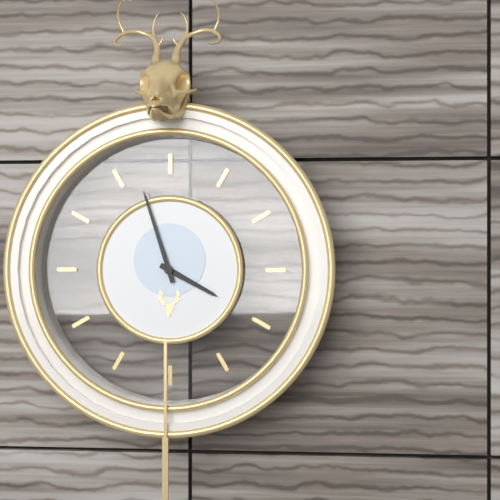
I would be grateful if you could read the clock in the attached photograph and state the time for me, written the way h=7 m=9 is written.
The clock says h=3 m=57
